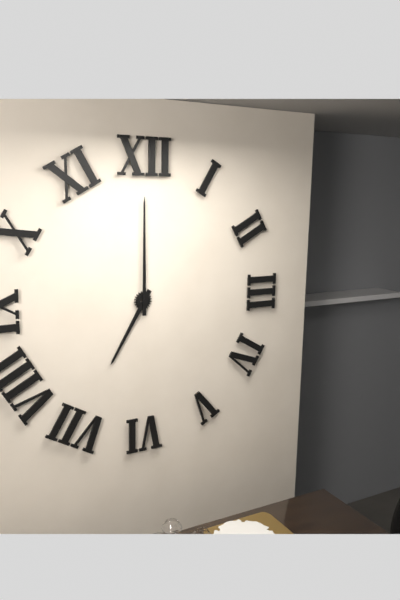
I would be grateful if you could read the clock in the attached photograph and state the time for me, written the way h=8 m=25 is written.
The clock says h=7 m=0
